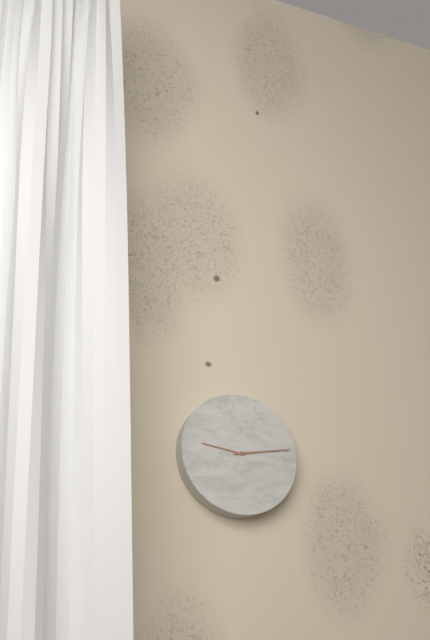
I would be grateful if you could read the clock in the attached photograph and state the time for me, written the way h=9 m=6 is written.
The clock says h=9 m=13
